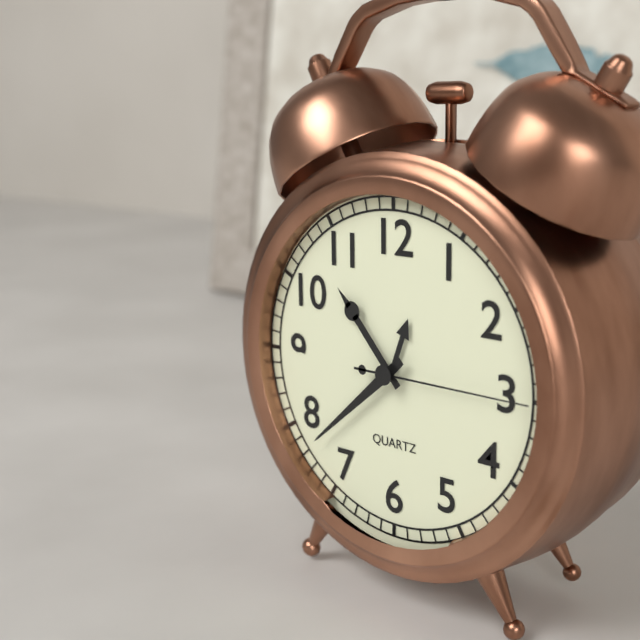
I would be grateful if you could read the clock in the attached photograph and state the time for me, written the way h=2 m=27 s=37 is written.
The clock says h=10 m=38 s=15
